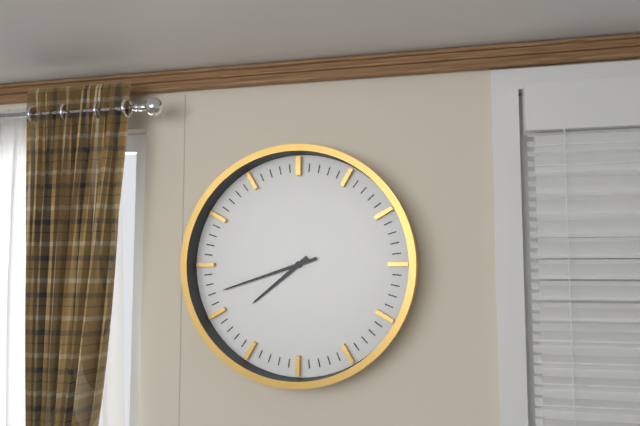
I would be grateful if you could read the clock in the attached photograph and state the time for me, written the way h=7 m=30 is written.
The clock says h=7 m=42
